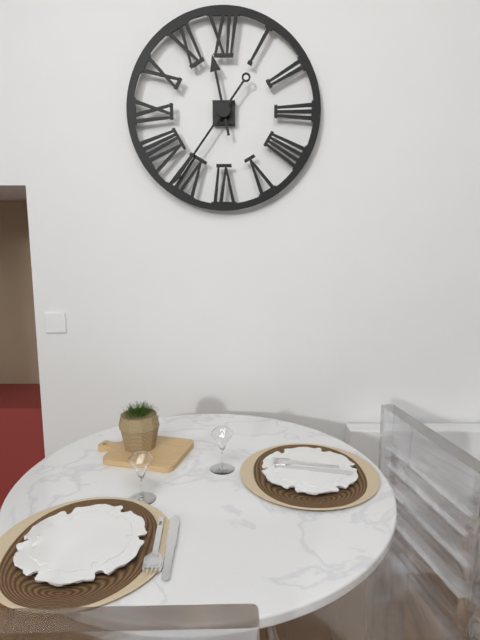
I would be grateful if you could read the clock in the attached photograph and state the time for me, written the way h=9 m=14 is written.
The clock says h=11 m=36
